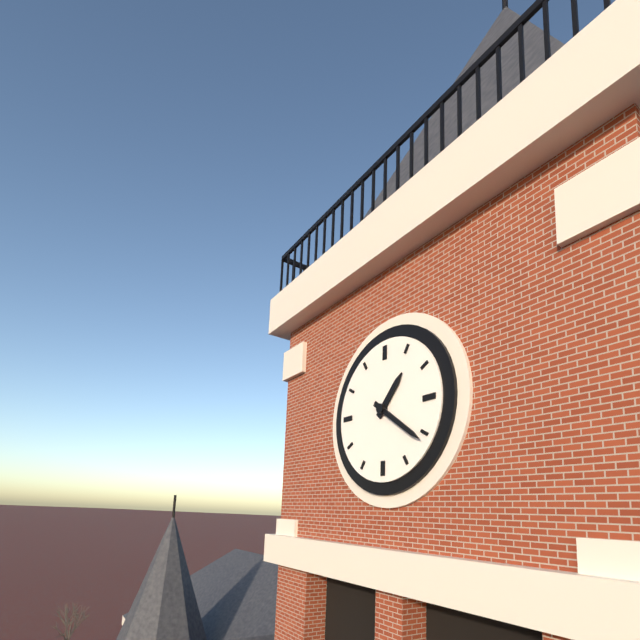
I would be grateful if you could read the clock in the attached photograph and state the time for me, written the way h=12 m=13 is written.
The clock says h=1 m=21
